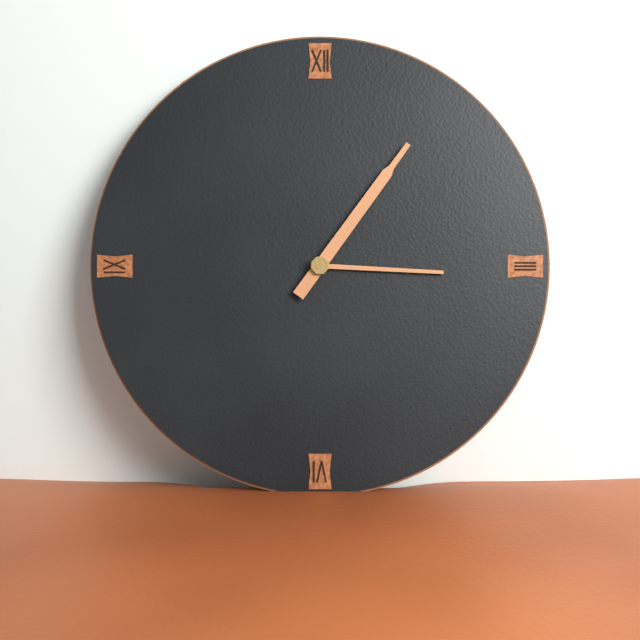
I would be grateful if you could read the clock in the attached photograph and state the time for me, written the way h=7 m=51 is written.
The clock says h=3 m=6
